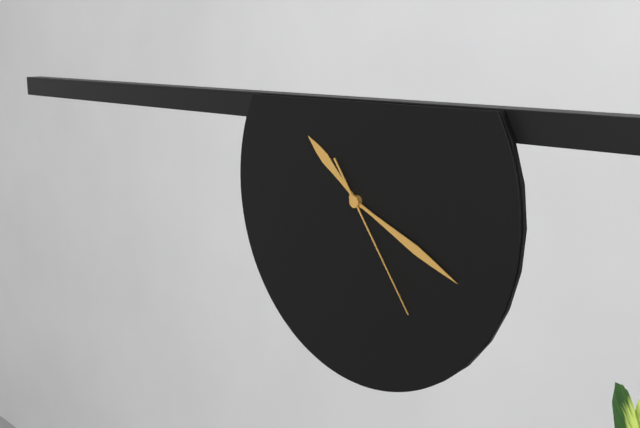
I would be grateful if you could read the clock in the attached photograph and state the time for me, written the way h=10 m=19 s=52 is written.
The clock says h=10 m=19 s=24
